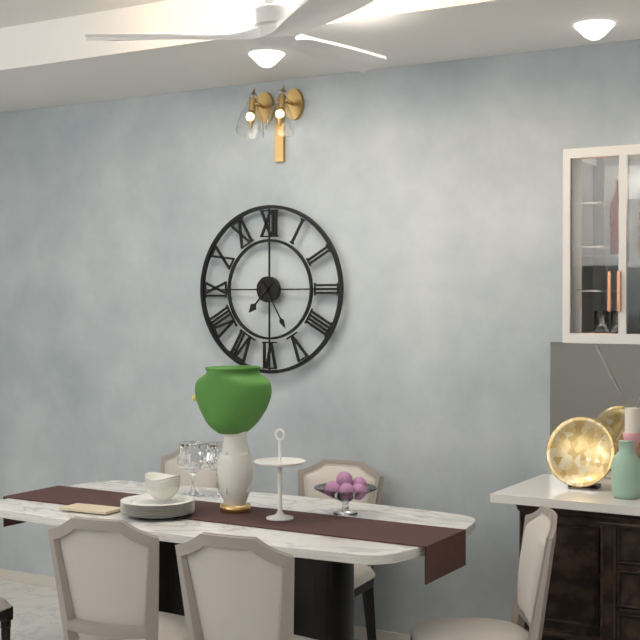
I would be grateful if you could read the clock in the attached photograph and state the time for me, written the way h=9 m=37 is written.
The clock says h=7 m=25
